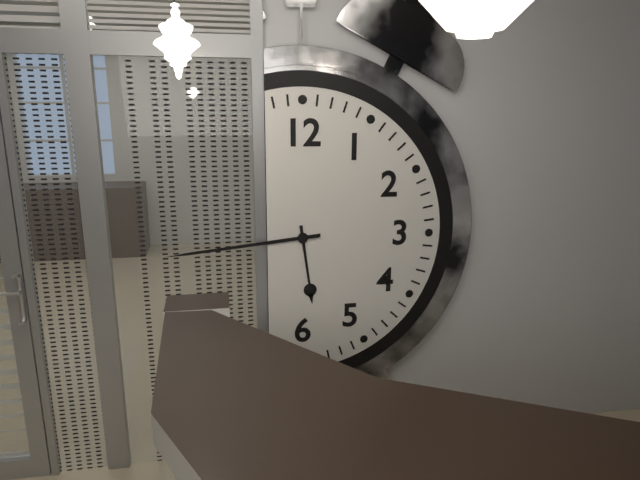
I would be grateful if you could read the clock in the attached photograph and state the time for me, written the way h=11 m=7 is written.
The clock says h=5 m=44
